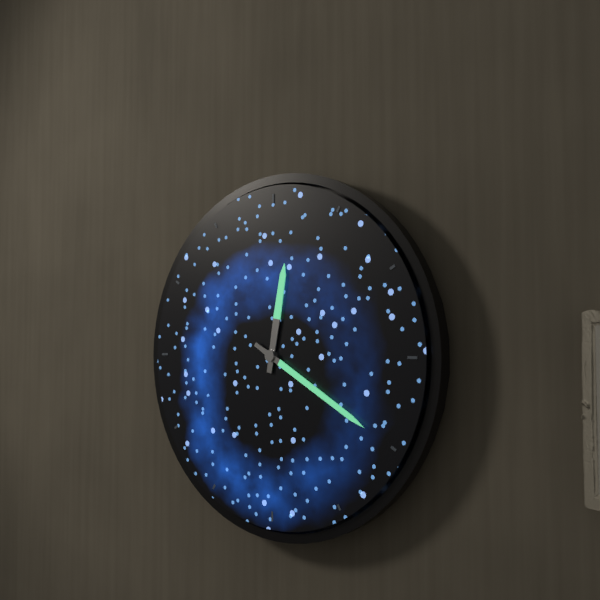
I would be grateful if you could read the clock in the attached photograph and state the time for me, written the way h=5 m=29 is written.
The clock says h=12 m=20
